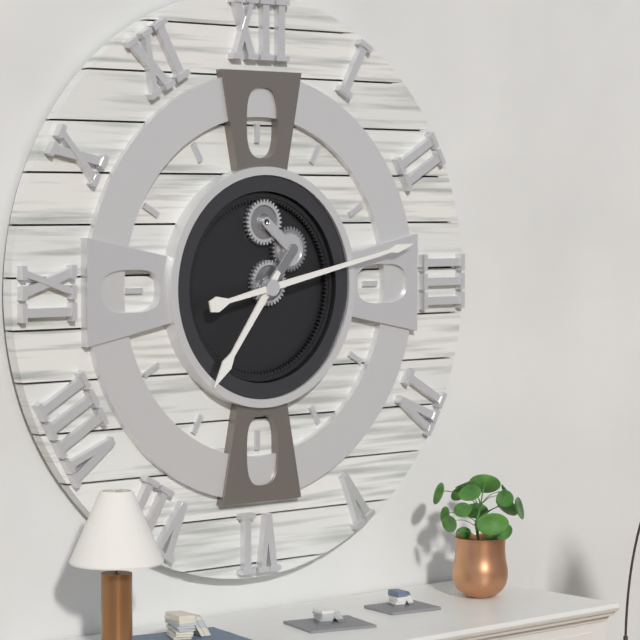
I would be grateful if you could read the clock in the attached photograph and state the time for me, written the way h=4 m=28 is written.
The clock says h=7 m=13
